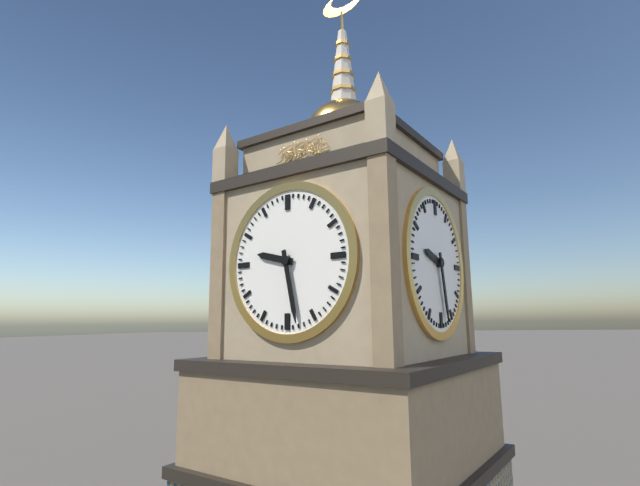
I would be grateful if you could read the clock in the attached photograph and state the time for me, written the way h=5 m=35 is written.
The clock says h=9 m=28
